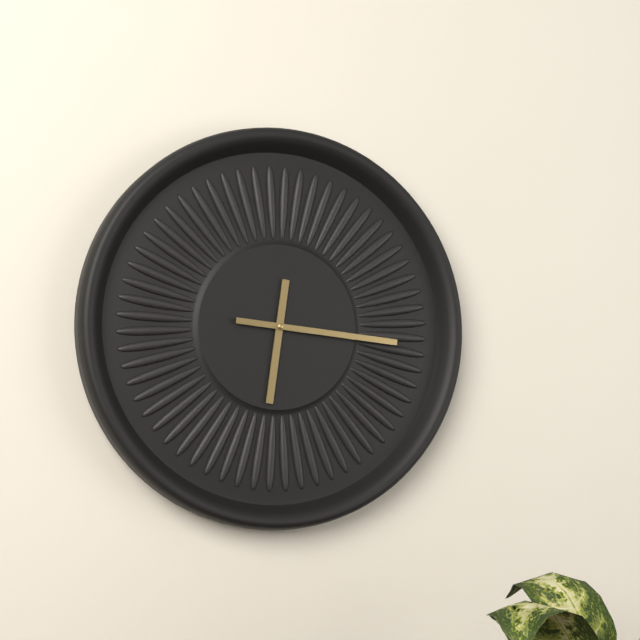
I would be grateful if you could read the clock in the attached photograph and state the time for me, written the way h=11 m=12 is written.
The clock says h=6 m=16
